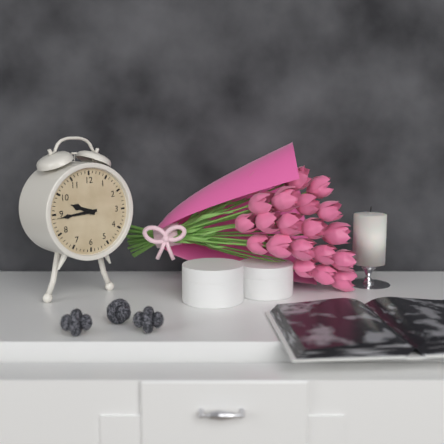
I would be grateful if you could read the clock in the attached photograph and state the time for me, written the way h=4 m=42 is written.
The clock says h=9 m=44
